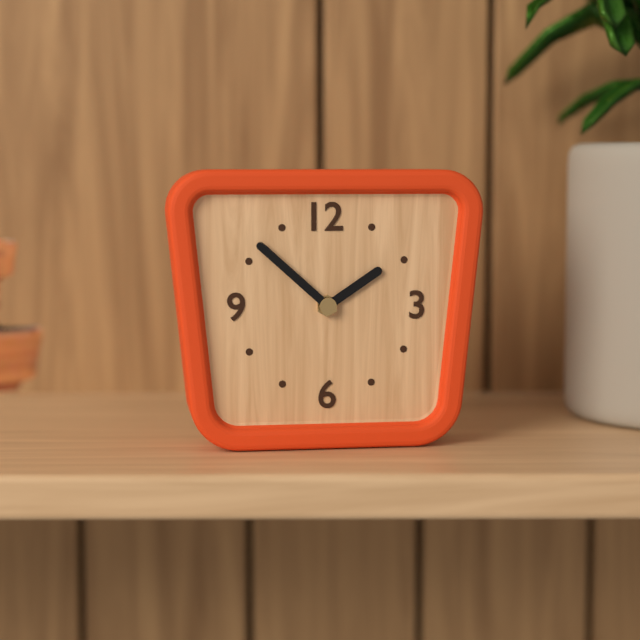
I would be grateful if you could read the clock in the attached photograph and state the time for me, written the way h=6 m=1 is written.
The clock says h=1 m=52
